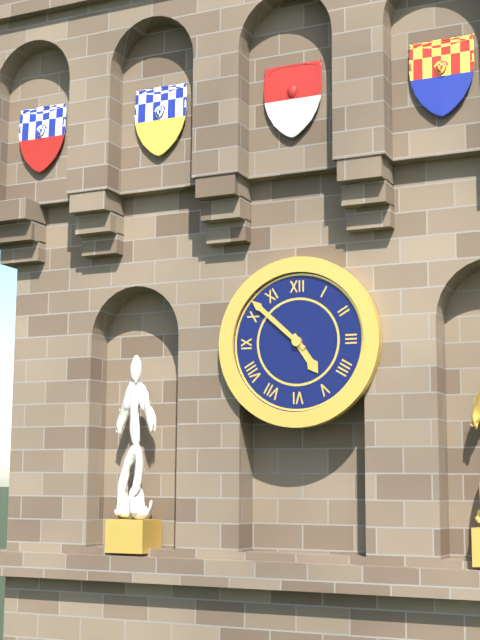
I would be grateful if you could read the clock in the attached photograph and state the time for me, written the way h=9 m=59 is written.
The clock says h=4 m=52
